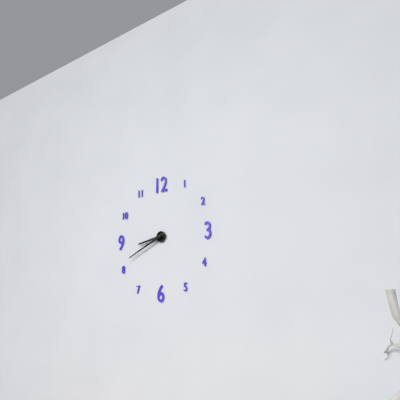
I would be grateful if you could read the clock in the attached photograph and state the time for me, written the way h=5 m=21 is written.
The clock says h=8 m=41
